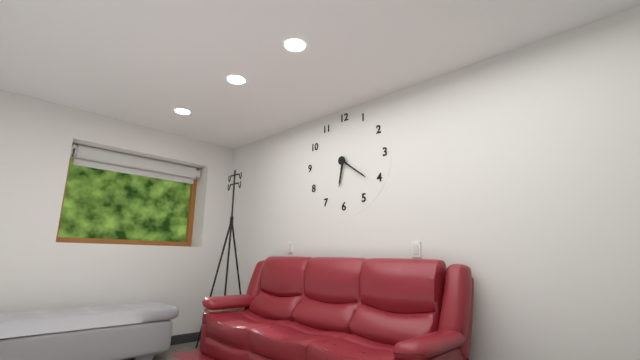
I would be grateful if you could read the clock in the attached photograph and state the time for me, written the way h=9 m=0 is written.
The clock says h=6 m=21
